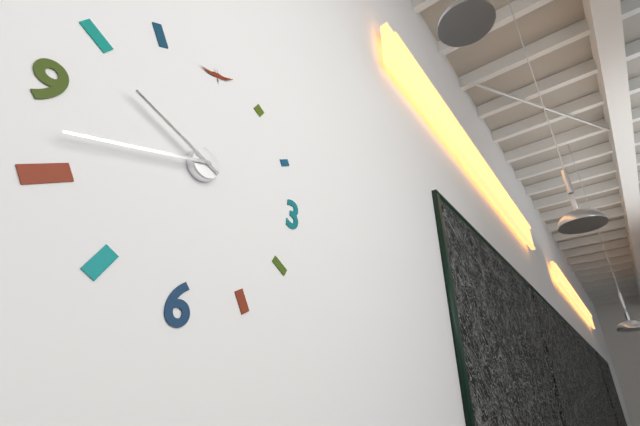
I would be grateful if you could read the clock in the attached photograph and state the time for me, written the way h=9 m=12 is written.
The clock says h=9 m=42
